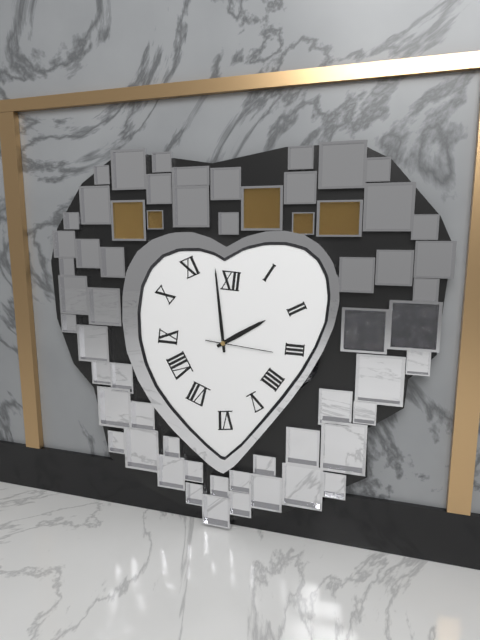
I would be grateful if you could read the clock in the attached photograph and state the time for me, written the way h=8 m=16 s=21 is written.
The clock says h=1 m=59 s=16
